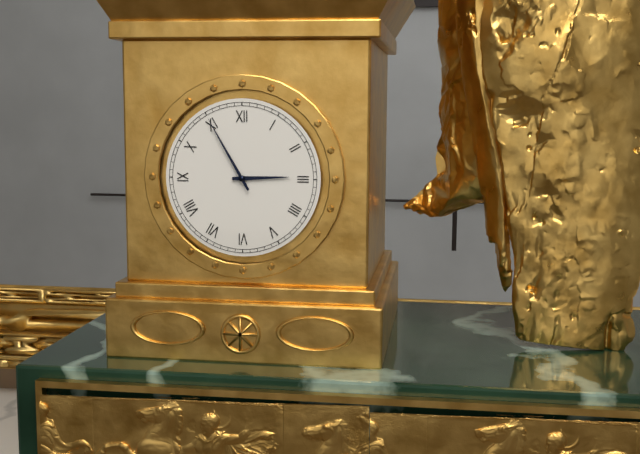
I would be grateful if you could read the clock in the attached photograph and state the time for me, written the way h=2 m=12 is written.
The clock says h=2 m=55
